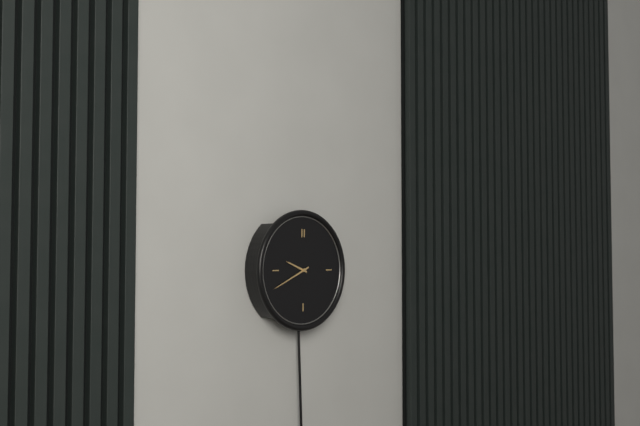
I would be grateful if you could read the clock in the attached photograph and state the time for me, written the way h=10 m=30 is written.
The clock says h=9 m=41
